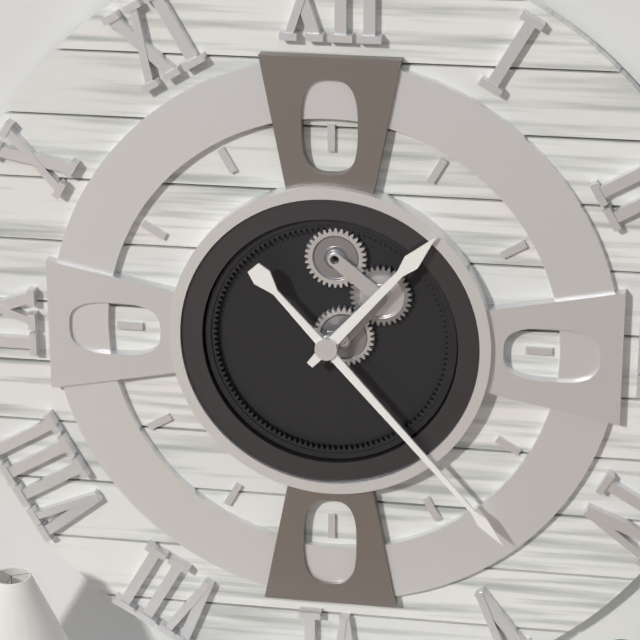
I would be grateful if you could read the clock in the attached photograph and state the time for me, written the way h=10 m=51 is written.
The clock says h=1 m=23
